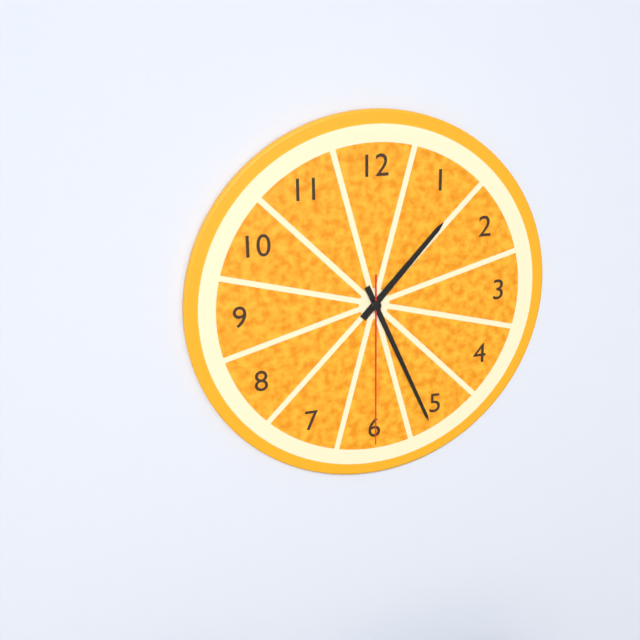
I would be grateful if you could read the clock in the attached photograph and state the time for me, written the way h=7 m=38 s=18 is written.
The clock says h=1 m=26 s=30
